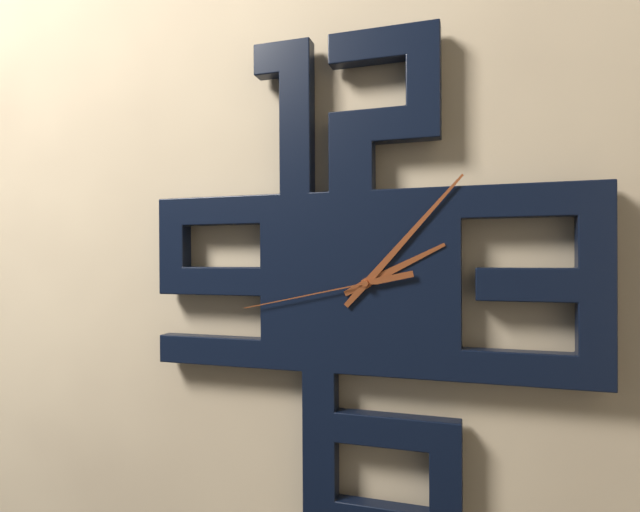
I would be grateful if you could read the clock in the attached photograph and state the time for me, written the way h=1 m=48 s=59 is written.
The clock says h=2 m=7 s=43
